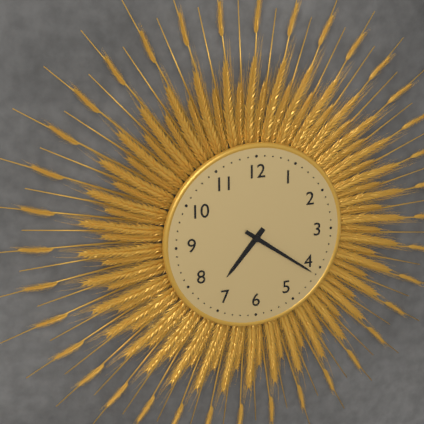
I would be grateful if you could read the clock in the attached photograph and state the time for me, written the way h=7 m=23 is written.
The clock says h=7 m=21
